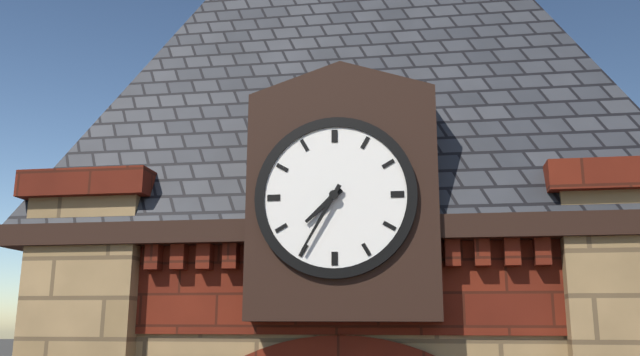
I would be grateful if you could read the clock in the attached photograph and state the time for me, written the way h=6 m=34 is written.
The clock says h=7 m=35
